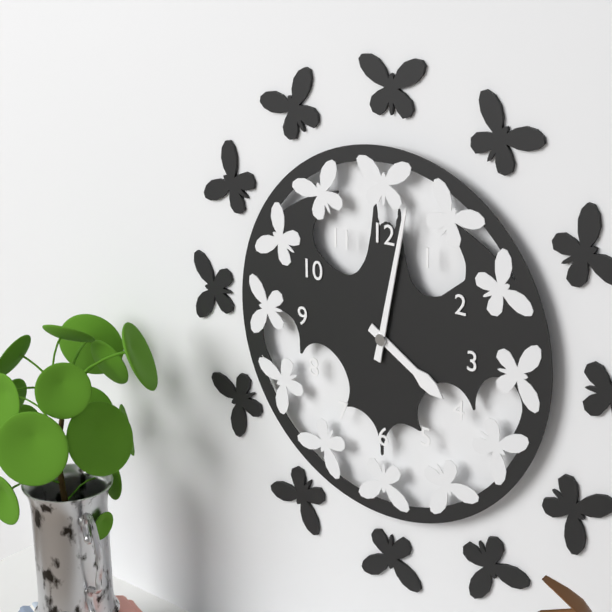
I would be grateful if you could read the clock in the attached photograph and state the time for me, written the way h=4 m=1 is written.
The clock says h=4 m=2
